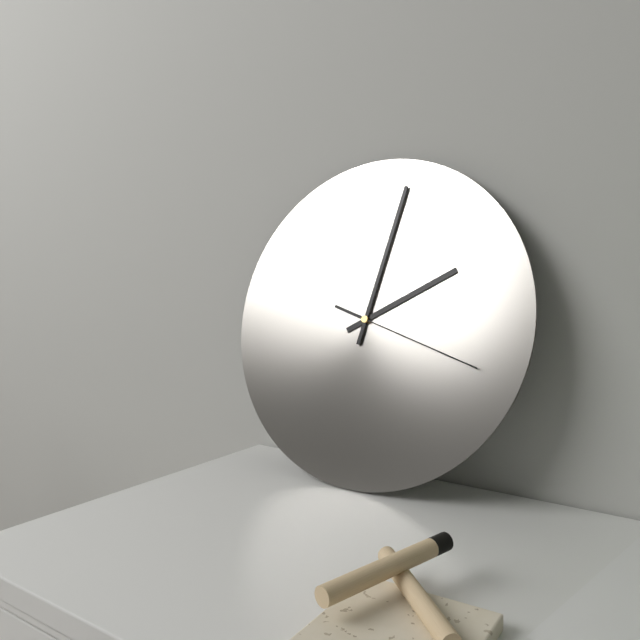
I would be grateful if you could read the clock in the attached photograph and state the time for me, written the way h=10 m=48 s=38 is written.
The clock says h=2 m=2 s=18
